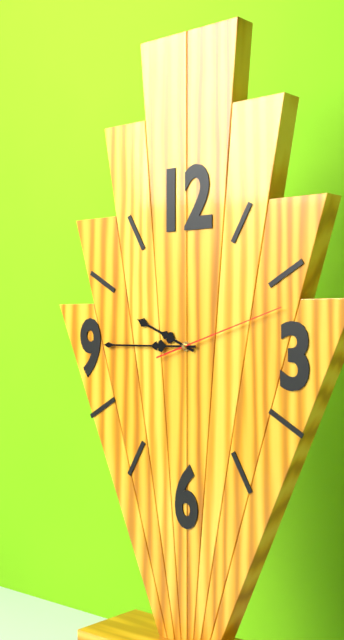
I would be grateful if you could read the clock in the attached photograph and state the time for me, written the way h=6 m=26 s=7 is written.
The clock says h=9 m=45 s=12
